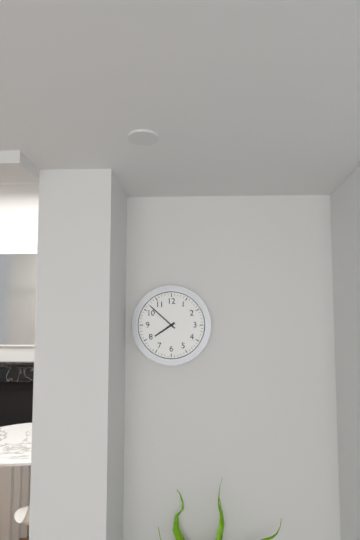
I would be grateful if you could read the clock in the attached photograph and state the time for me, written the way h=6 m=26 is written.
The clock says h=7 m=52
